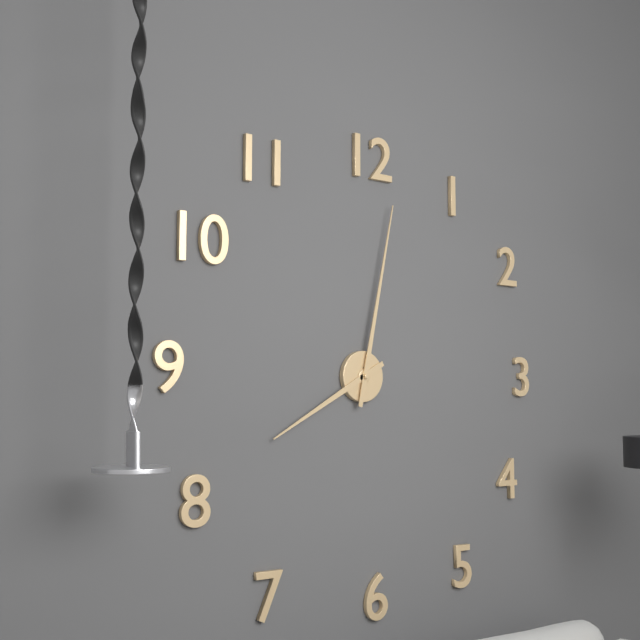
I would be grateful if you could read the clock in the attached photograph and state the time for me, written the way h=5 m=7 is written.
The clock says h=8 m=2
